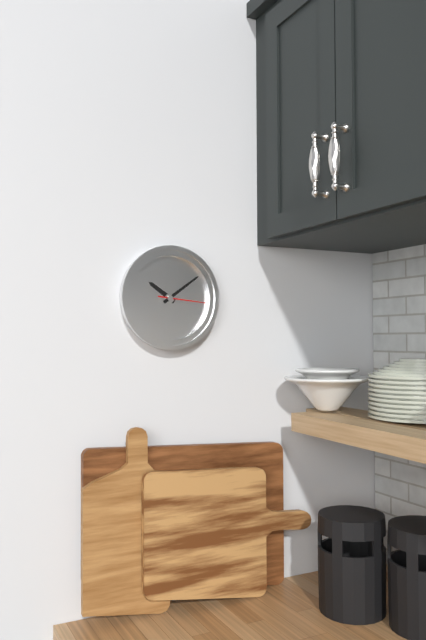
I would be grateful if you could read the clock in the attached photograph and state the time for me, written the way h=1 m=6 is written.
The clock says h=10 m=9
